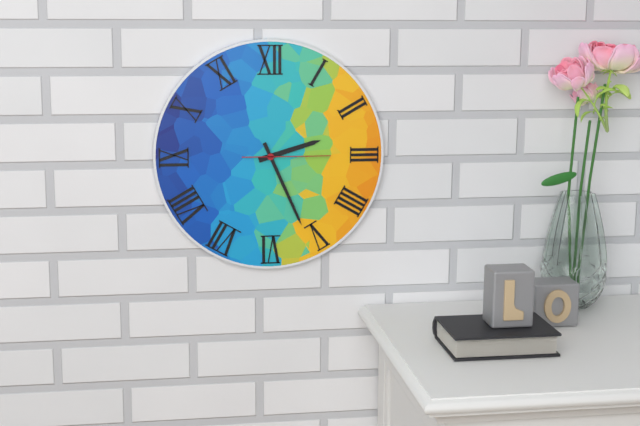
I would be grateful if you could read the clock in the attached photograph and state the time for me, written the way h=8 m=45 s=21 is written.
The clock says h=2 m=26 s=15
